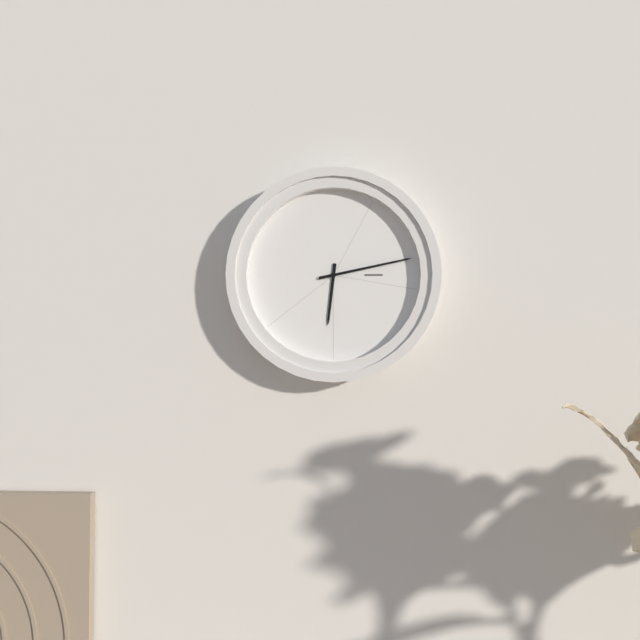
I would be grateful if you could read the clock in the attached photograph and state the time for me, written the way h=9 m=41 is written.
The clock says h=6 m=13
